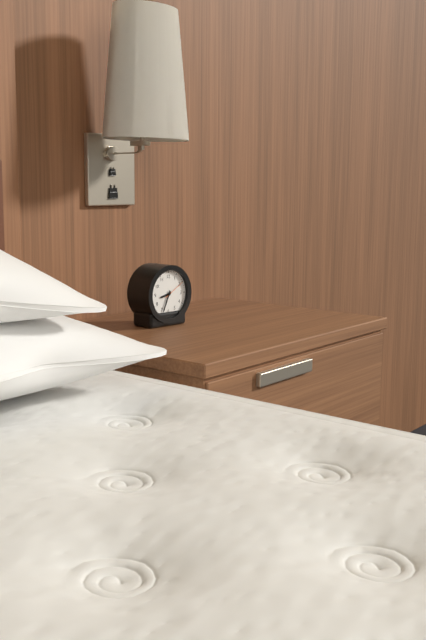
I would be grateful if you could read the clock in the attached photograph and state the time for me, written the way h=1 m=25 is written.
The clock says h=8 m=34
